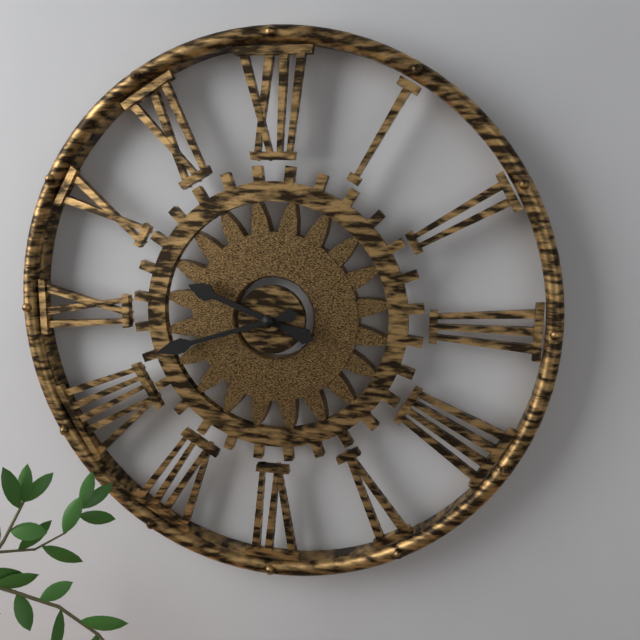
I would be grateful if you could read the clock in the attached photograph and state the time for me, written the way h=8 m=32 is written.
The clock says h=9 m=42
